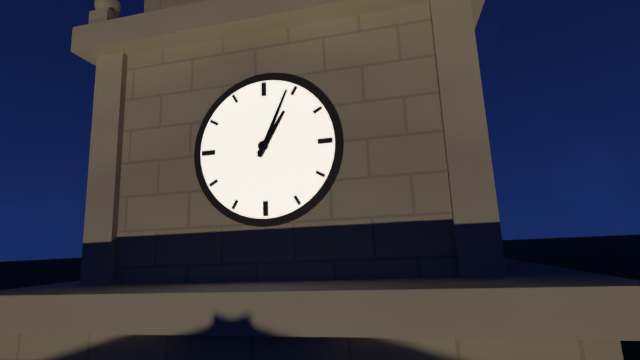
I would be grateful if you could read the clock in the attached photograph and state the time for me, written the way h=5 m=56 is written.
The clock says h=1 m=4
